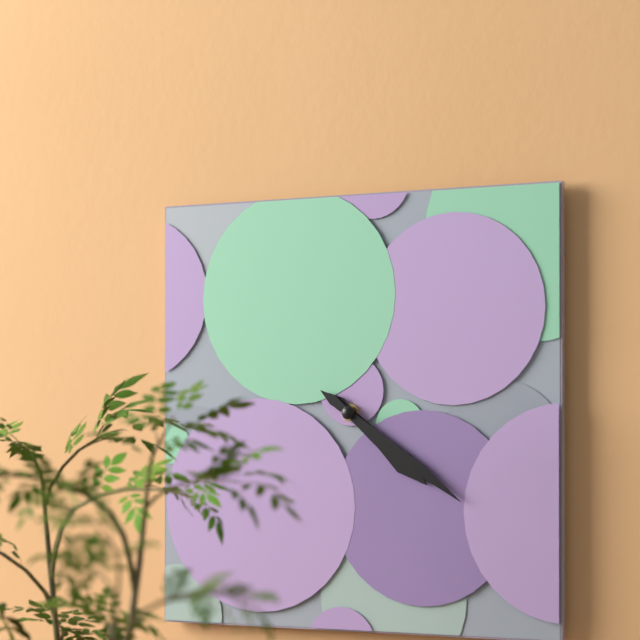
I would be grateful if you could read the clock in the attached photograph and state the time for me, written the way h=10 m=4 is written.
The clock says h=4 m=21
